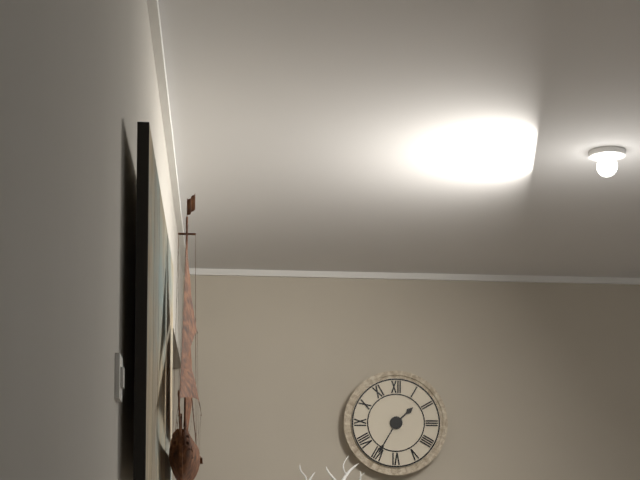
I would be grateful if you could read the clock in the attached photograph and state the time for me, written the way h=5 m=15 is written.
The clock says h=1 m=35
